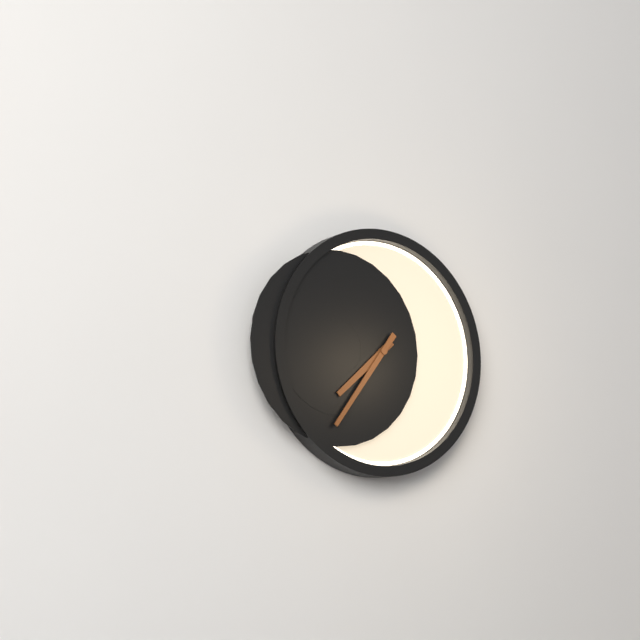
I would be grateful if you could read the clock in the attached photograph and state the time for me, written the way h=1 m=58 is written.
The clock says h=7 m=36
